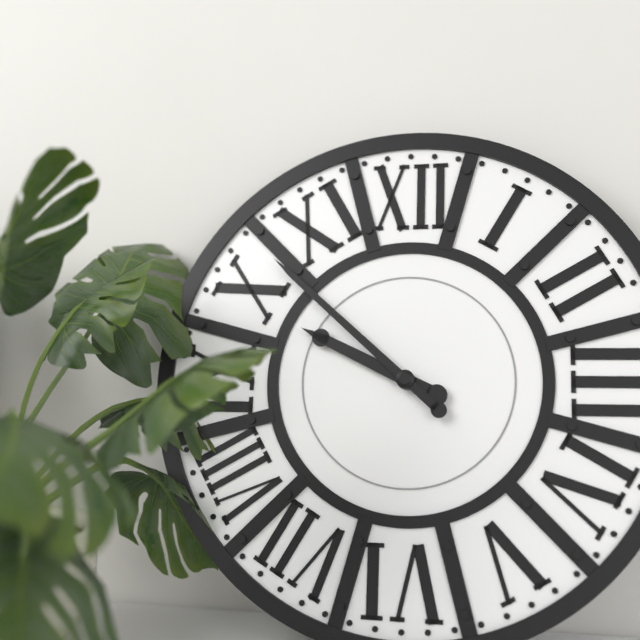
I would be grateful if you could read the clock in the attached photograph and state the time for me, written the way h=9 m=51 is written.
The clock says h=9 m=52
